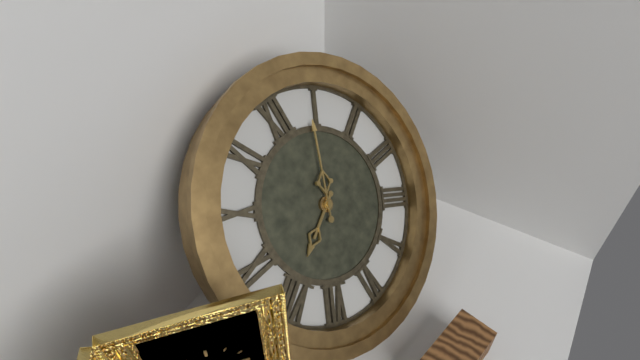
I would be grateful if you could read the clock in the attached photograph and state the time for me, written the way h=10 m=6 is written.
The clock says h=8 m=4
